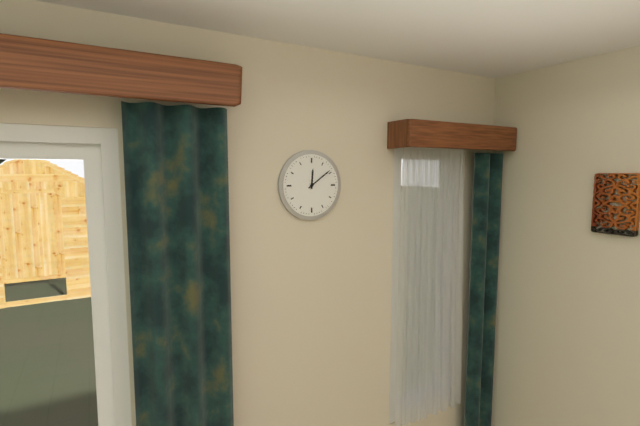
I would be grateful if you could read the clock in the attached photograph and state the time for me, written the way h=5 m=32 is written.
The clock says h=12 m=9
